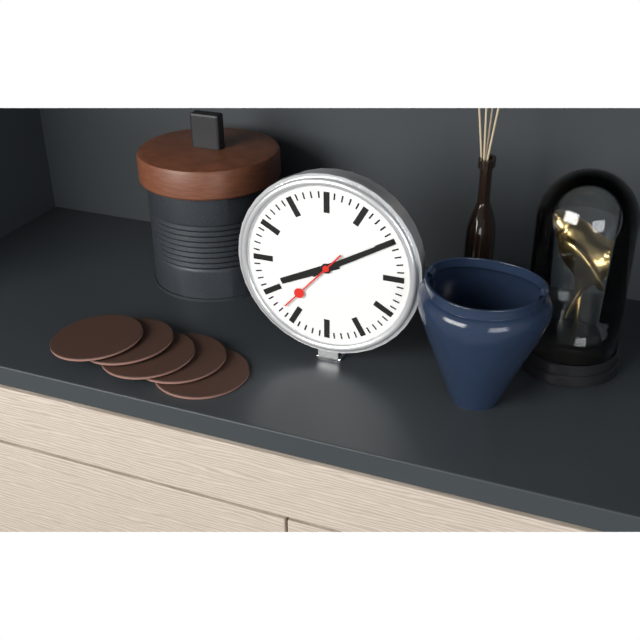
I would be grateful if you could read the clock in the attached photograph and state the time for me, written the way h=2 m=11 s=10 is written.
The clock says h=8 m=10 s=37
